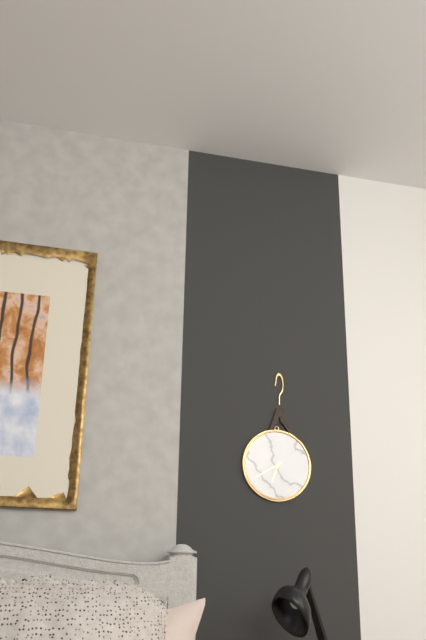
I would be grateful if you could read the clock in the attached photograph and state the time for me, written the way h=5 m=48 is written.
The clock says h=6 m=40
